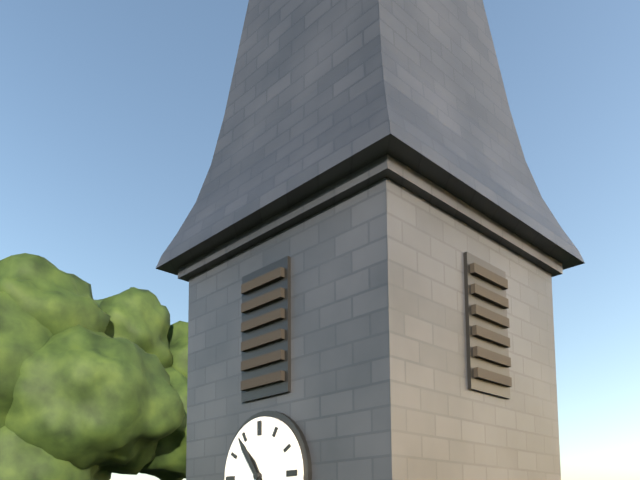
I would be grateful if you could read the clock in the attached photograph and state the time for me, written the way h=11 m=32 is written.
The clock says h=10 m=54
